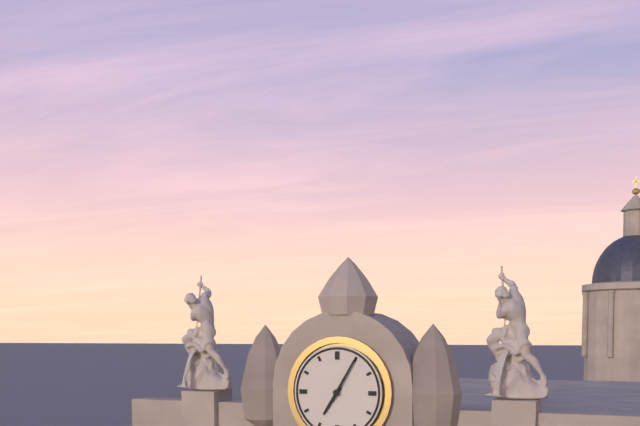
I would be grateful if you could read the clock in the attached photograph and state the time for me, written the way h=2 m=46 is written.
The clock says h=7 m=5
